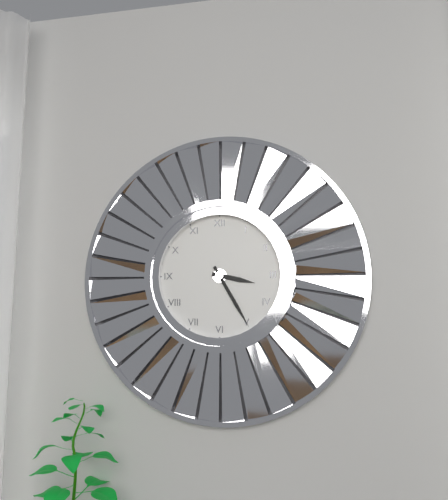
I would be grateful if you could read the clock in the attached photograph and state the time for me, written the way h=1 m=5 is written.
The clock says h=3 m=25
